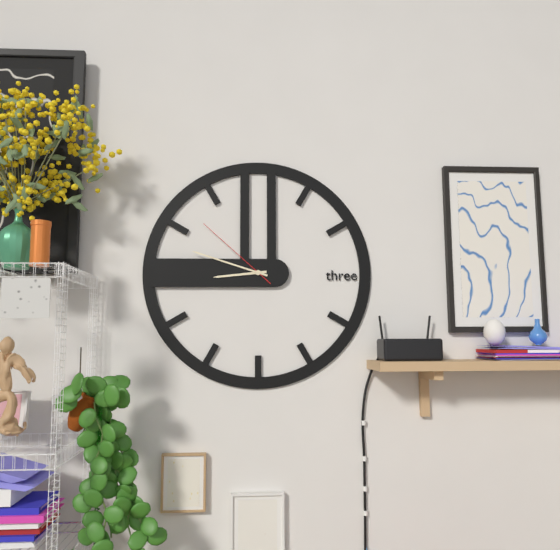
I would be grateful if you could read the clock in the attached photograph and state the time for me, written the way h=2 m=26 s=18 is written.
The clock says h=8 m=48 s=52
